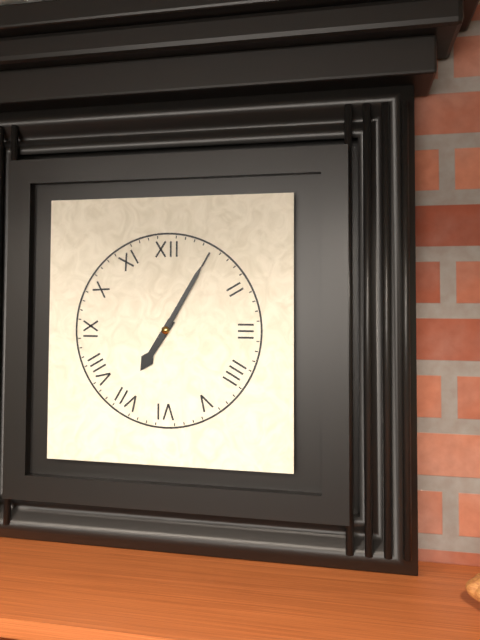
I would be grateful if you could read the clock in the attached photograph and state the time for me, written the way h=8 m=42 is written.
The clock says h=7 m=5
